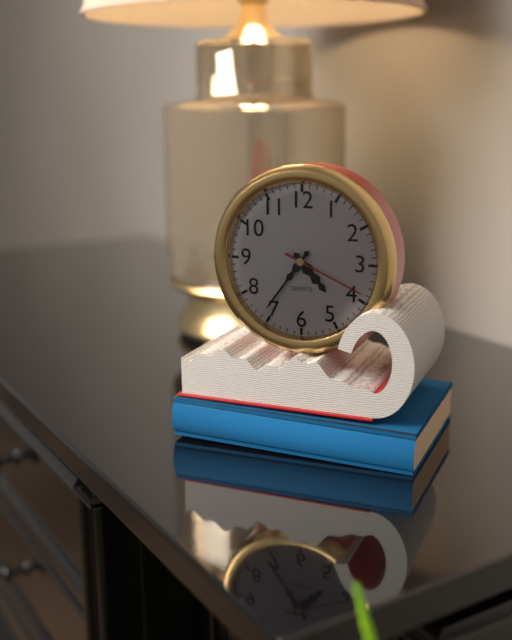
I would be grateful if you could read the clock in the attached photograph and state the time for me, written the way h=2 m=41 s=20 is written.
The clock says h=4 m=36 s=19
